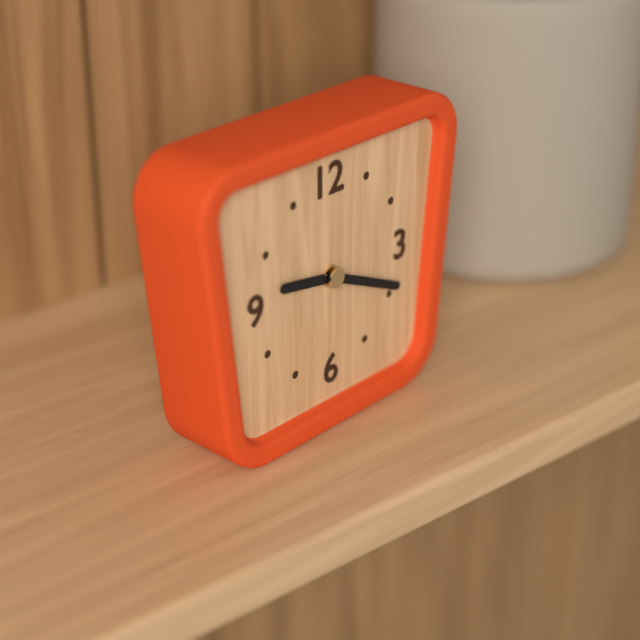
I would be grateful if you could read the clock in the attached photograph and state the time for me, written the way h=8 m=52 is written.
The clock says h=9 m=19
